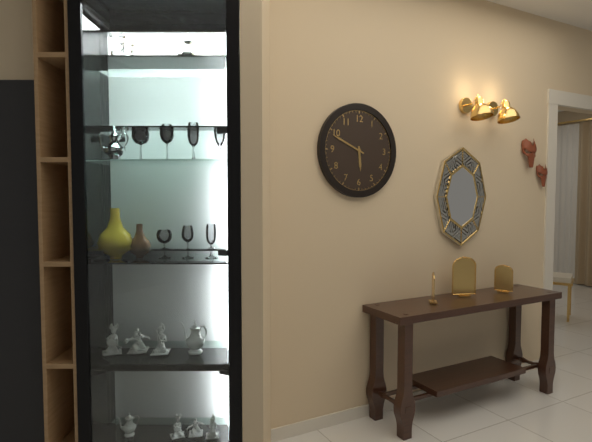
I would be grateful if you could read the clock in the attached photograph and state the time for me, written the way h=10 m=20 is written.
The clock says h=5 m=49
